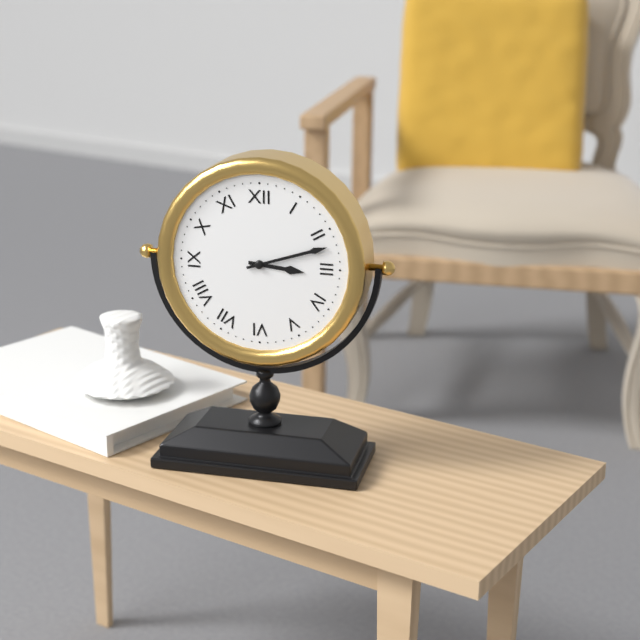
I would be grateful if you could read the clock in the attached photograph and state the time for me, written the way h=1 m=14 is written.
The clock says h=3 m=12
